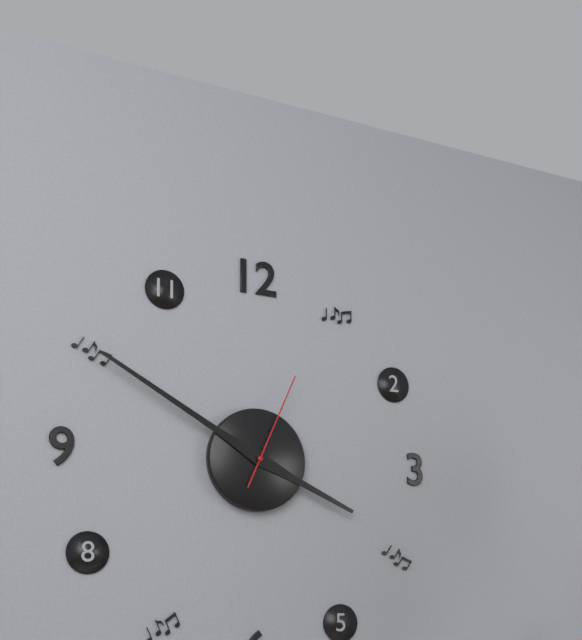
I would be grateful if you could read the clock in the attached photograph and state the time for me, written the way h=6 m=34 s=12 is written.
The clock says h=3 m=50 s=4
